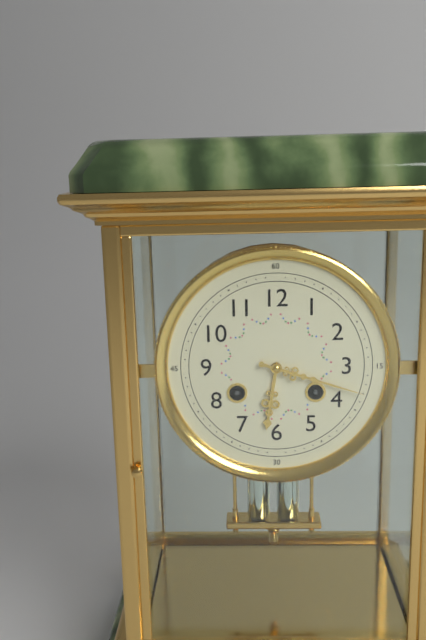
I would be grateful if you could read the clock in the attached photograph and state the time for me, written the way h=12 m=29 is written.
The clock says h=6 m=18
